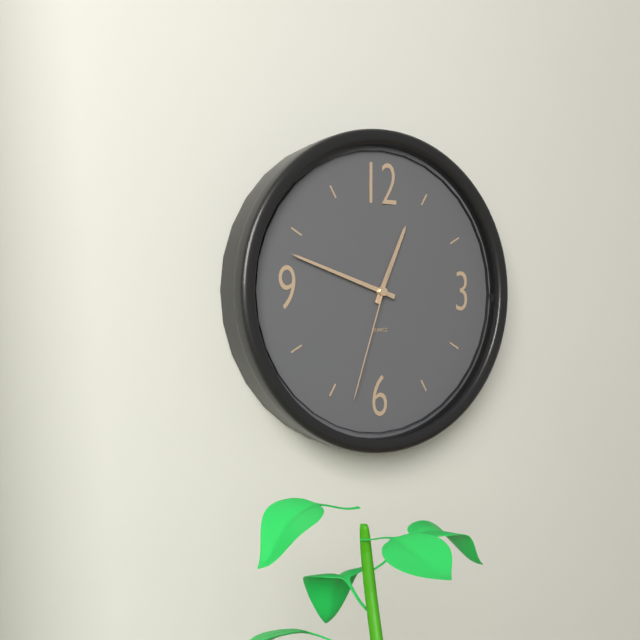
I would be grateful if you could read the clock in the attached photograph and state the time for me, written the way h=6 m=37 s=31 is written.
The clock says h=12 m=48 s=33
